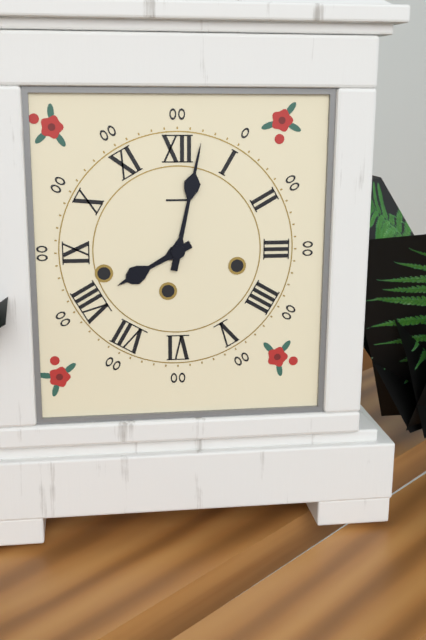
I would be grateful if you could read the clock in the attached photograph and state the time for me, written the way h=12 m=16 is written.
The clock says h=8 m=2
